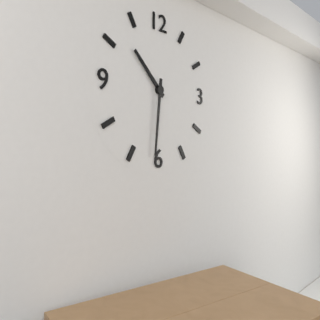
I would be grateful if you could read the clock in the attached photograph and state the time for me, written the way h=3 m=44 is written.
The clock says h=10 m=31
